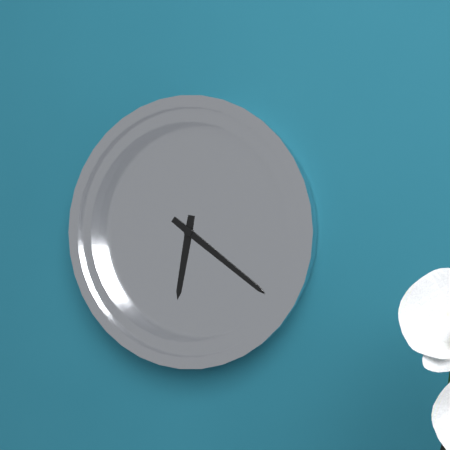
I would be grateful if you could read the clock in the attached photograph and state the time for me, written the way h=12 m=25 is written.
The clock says h=6 m=21
